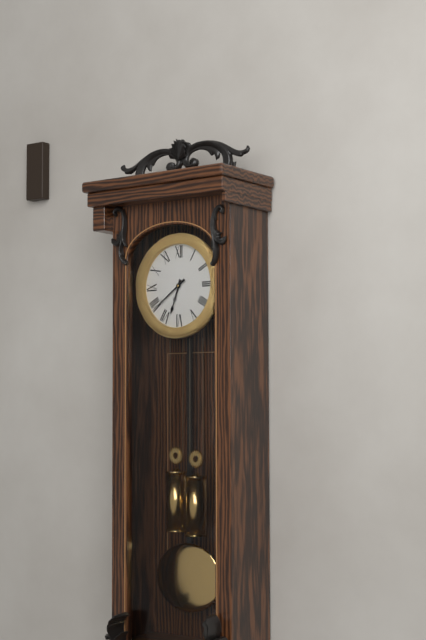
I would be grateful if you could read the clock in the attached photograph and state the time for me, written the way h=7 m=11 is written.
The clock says h=6 m=39
